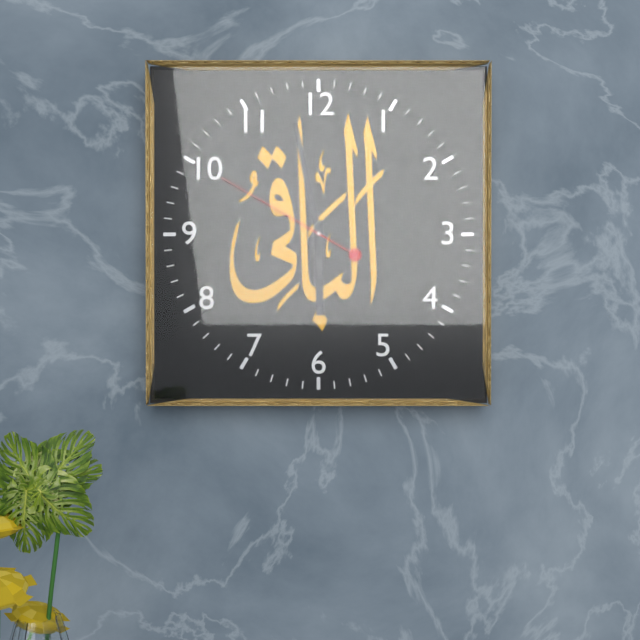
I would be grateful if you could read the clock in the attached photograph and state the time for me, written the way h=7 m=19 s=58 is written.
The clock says h=5 m=58 s=50
